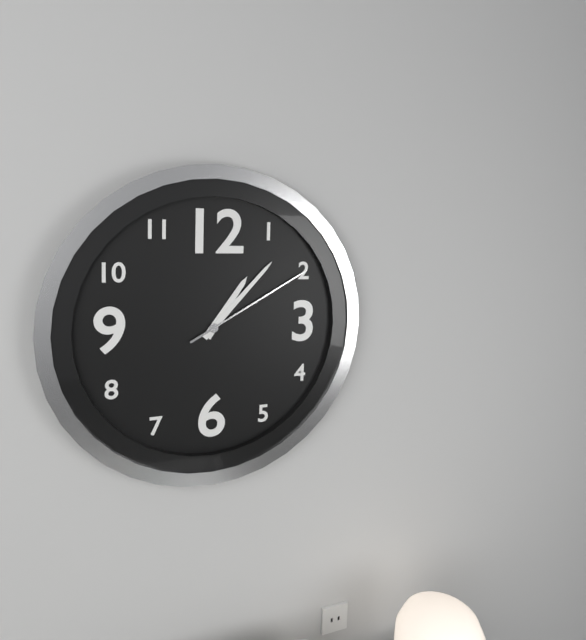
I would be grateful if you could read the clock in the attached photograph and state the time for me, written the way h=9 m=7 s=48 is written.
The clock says h=1 m=7 s=10
